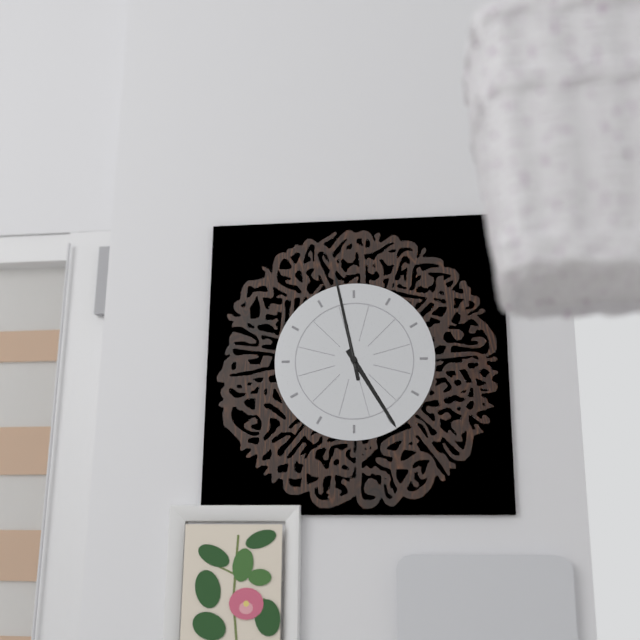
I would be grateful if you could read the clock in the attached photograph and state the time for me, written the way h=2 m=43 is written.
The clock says h=4 m=58
